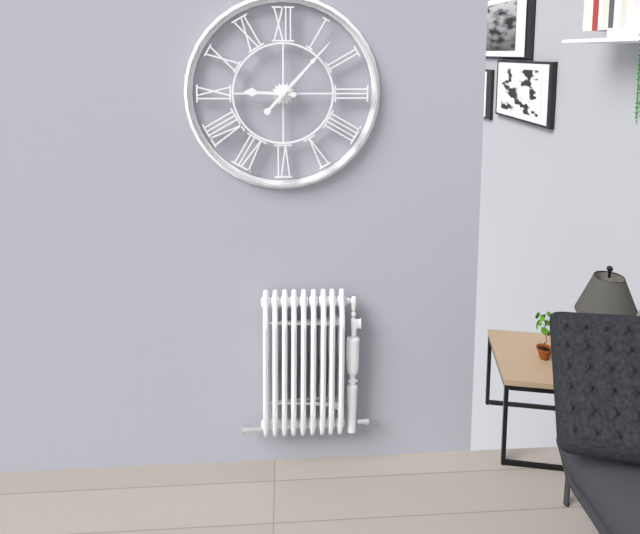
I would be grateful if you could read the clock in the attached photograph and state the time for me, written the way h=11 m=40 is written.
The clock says h=9 m=7
